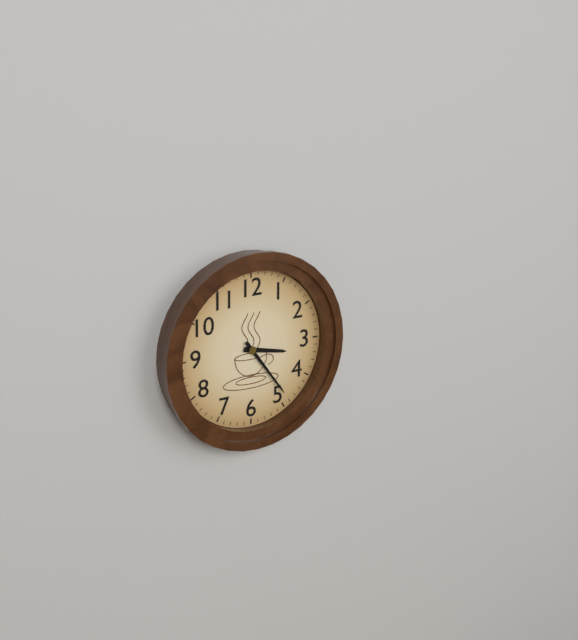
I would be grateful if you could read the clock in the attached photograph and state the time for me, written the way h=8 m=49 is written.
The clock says h=3 m=24
